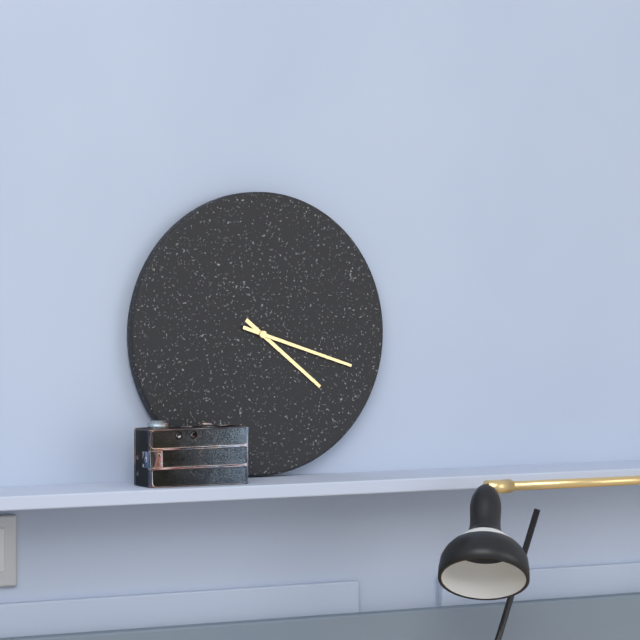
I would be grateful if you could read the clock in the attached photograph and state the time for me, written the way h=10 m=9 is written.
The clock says h=4 m=18
